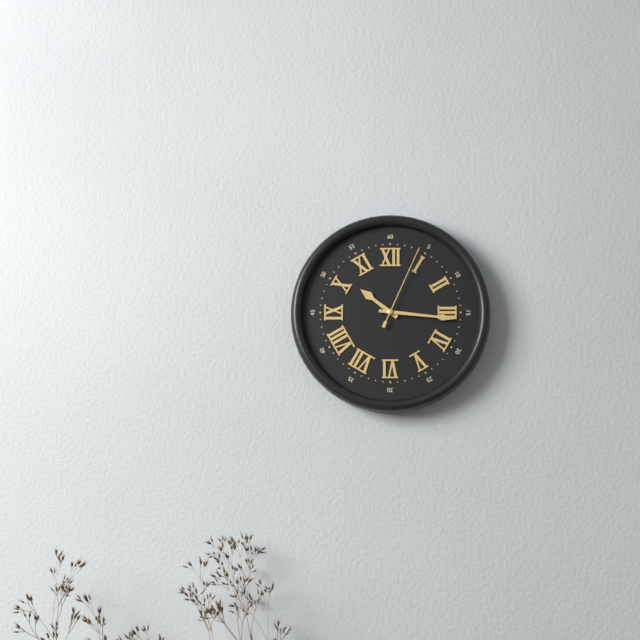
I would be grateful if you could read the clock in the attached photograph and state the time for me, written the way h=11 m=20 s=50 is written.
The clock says h=10 m=16 s=4
